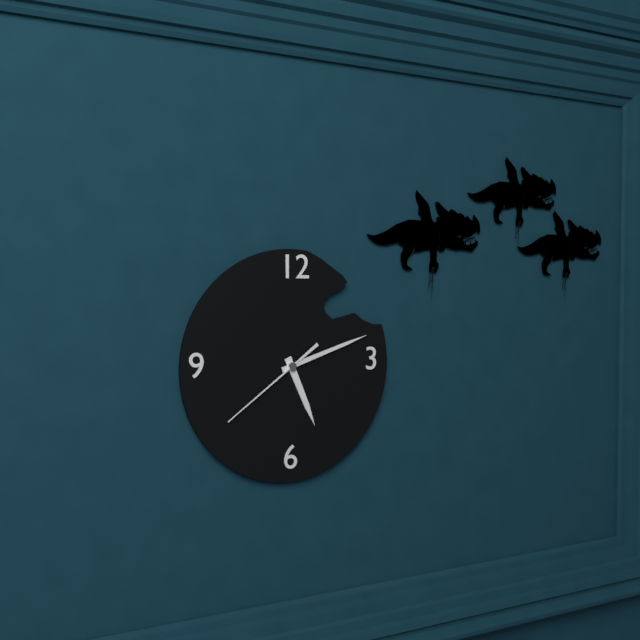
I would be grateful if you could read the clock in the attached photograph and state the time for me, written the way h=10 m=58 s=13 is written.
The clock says h=5 m=12 s=39
